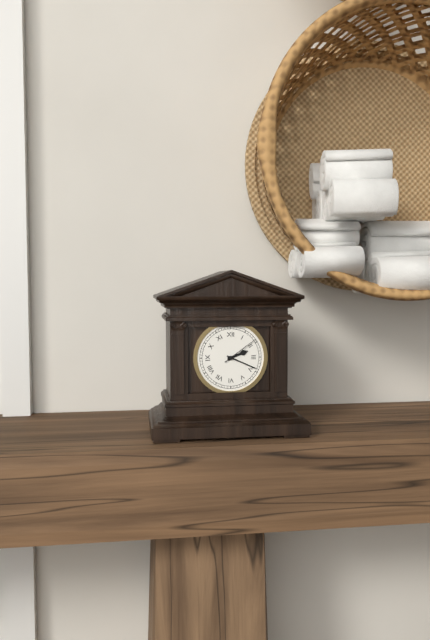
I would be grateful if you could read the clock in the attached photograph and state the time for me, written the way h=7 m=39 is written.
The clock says h=2 m=19
